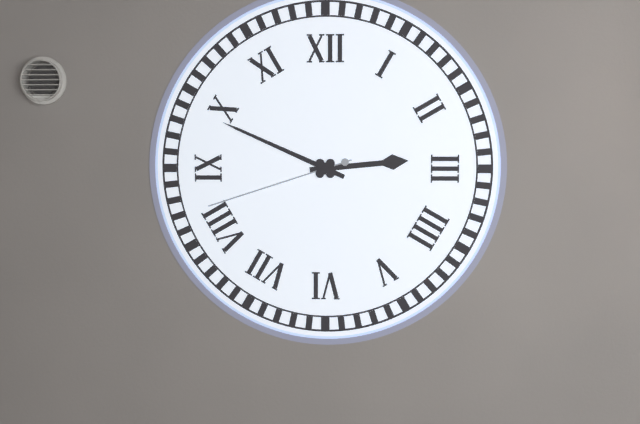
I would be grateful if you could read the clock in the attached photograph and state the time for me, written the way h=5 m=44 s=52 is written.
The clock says h=2 m=49 s=42
